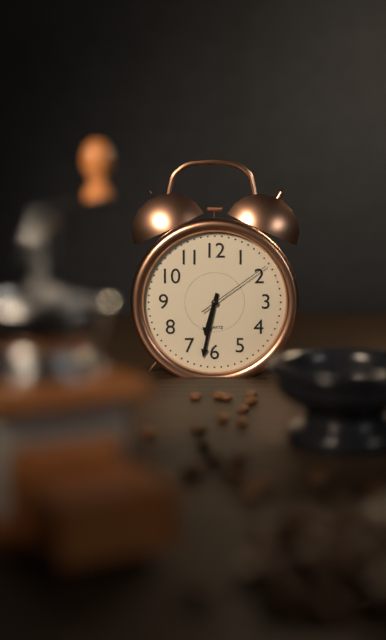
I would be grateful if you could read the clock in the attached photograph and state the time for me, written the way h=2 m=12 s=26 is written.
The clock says h=6 m=32 s=9
